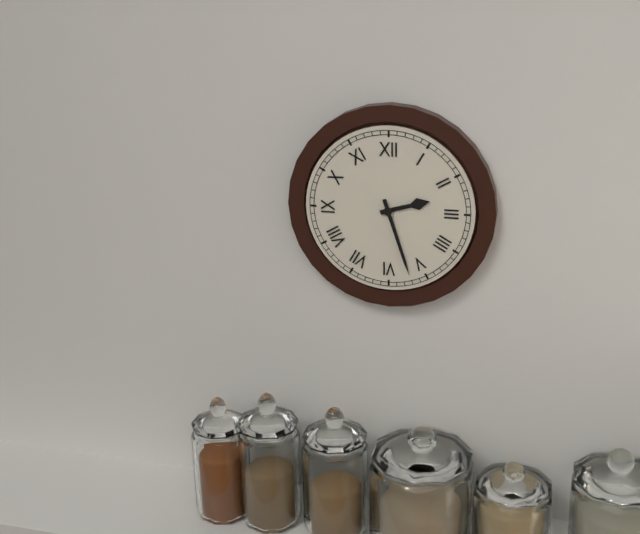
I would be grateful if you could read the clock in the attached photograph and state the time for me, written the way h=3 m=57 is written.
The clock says h=2 m=27
